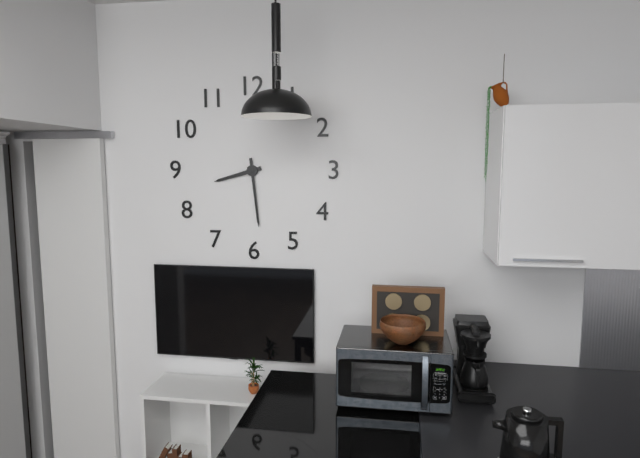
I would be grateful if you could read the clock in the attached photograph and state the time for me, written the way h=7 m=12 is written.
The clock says h=8 m=29
